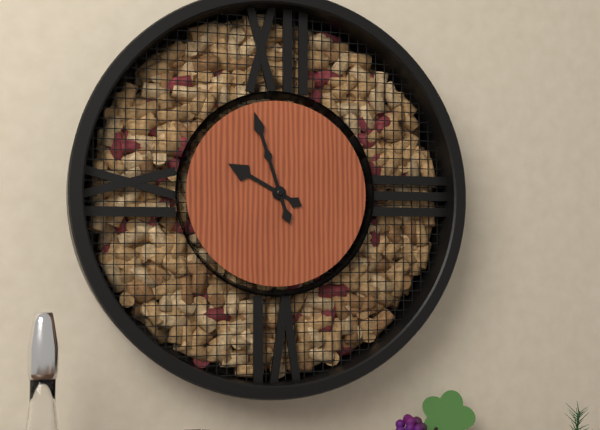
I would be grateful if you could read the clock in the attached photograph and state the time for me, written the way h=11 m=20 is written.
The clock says h=9 m=57
